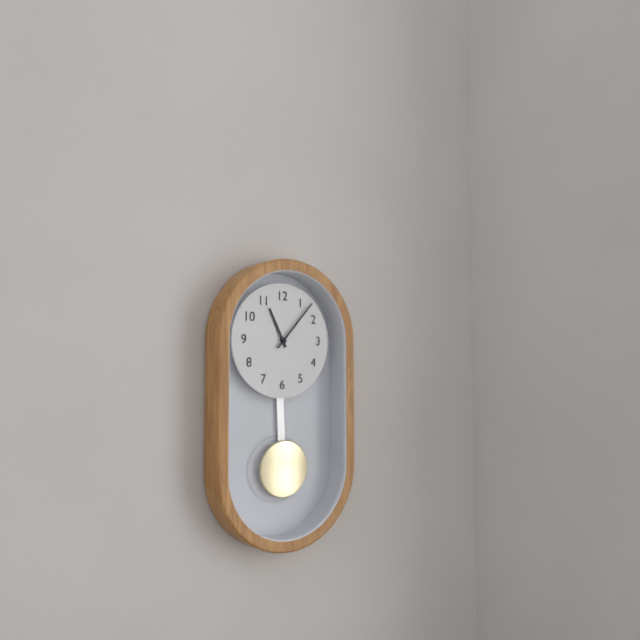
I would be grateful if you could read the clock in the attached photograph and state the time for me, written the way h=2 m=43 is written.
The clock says h=11 m=7
